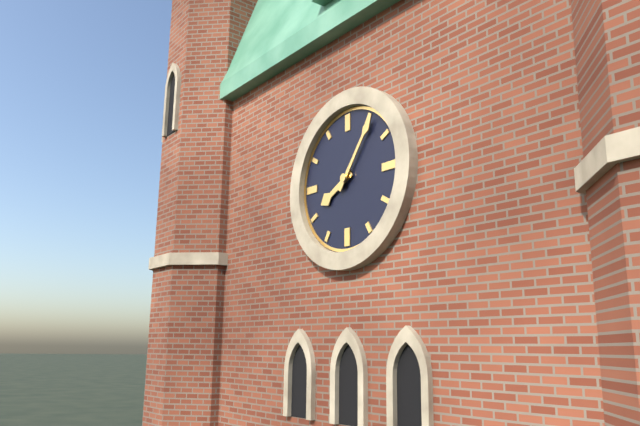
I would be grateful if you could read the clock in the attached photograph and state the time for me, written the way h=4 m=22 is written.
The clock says h=8 m=6
